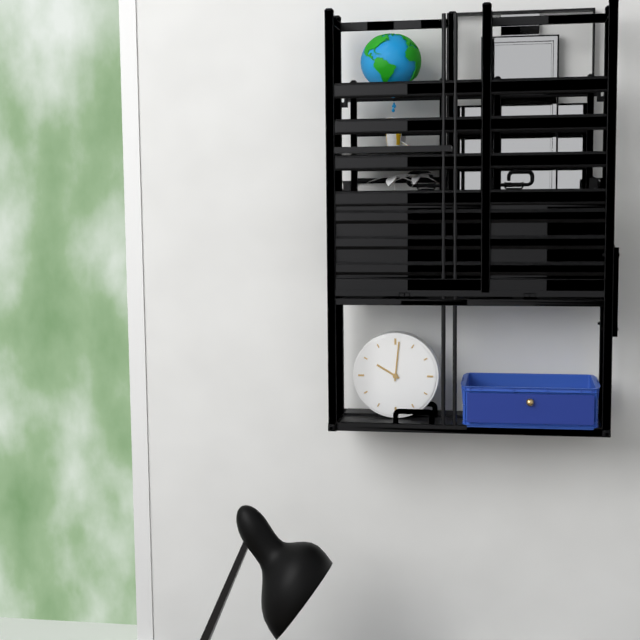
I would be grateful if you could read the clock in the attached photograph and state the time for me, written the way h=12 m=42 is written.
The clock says h=10 m=1
